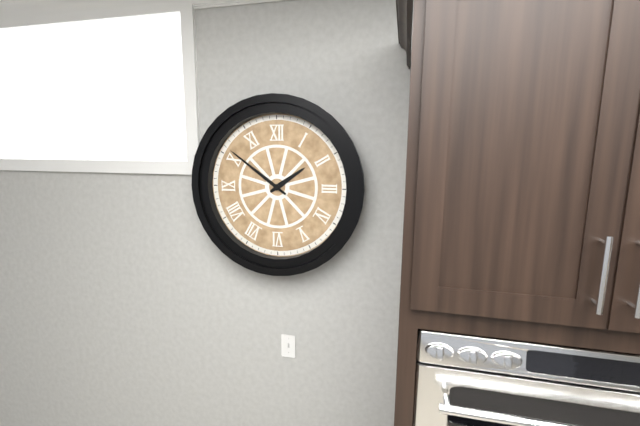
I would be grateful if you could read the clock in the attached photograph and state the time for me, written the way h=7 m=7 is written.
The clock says h=1 m=51
